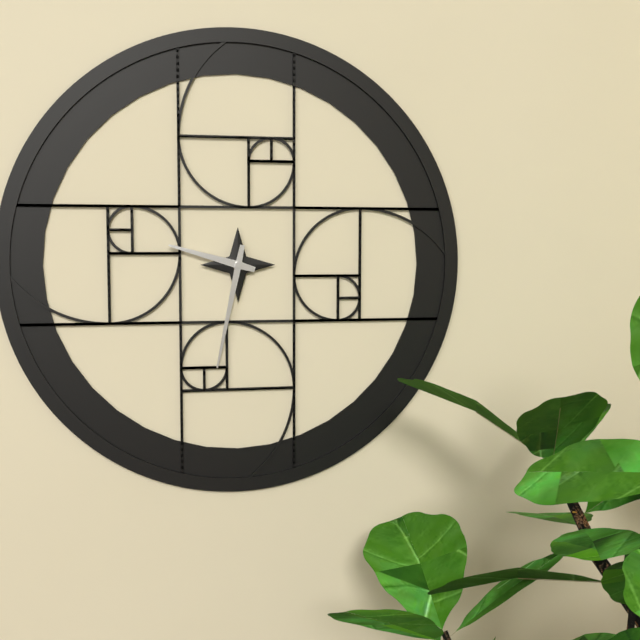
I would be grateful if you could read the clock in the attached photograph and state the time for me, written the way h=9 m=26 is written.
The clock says h=9 m=32
